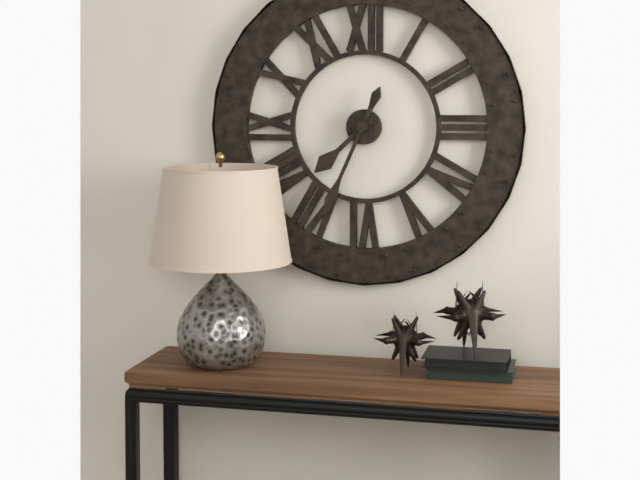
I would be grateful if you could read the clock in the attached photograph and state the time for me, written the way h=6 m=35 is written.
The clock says h=7 m=34
